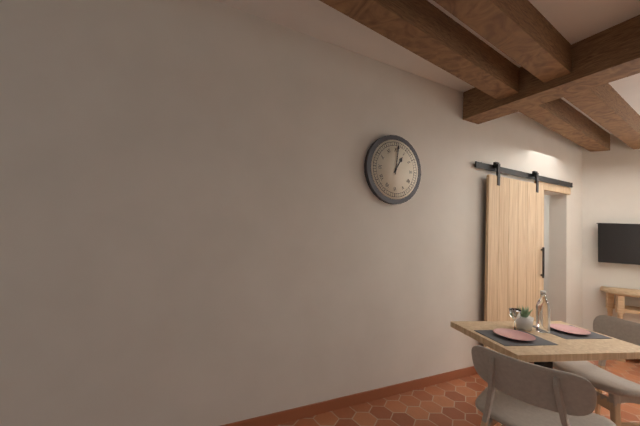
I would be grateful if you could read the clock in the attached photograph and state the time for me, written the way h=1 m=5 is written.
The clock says h=1 m=1
